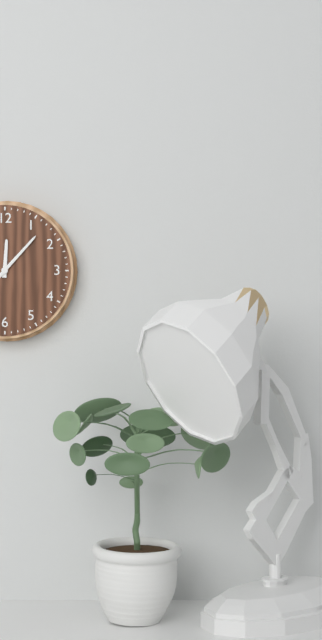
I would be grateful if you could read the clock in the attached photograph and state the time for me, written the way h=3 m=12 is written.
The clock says h=12 m=7
